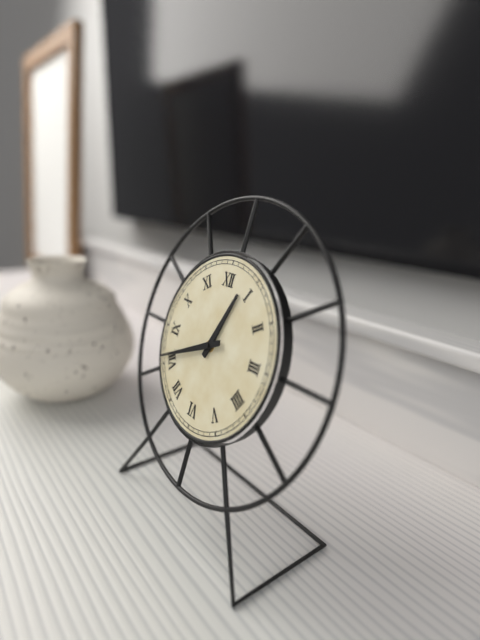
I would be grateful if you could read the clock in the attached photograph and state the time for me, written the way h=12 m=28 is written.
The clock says h=12 m=41
